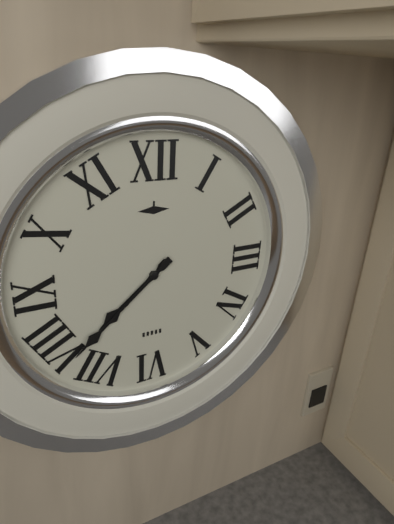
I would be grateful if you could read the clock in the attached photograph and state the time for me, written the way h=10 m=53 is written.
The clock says h=7 m=38
